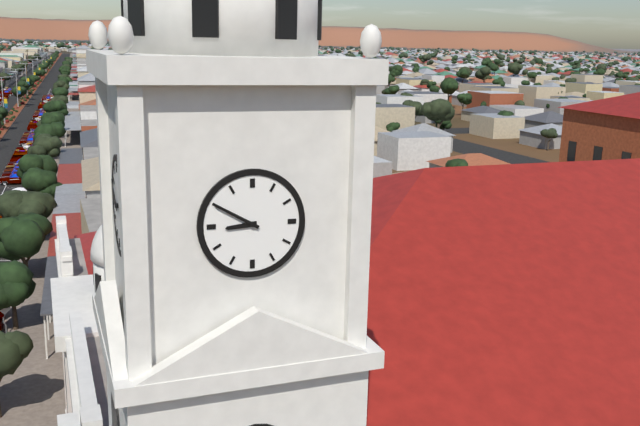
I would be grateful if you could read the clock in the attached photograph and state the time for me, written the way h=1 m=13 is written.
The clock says h=8 m=50
